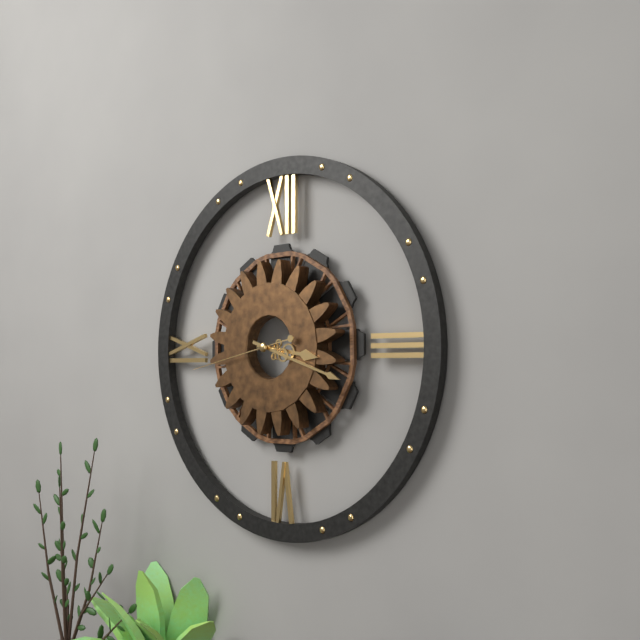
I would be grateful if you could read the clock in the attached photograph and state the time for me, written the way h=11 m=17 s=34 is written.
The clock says h=3 m=18 s=43
